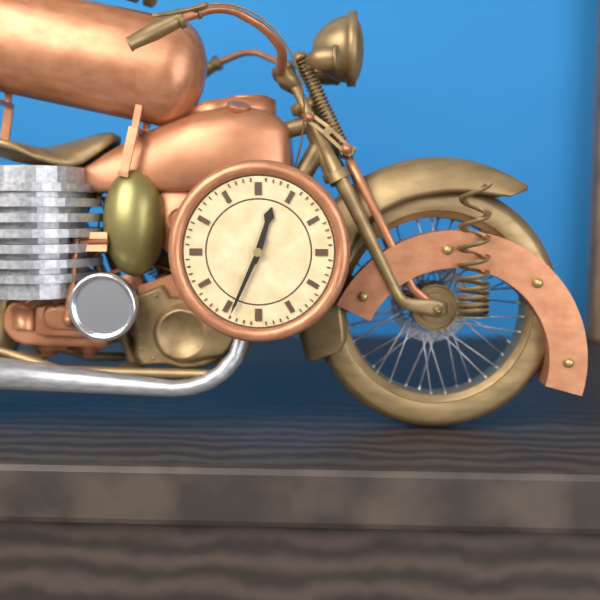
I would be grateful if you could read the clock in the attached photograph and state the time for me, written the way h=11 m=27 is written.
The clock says h=12 m=34
